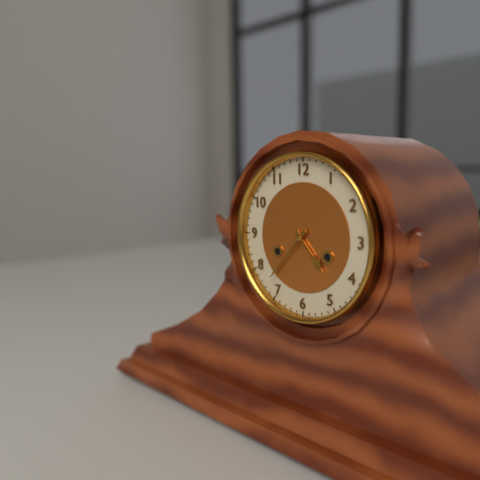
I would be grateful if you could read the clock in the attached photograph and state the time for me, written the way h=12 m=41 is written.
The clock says h=4 m=37
